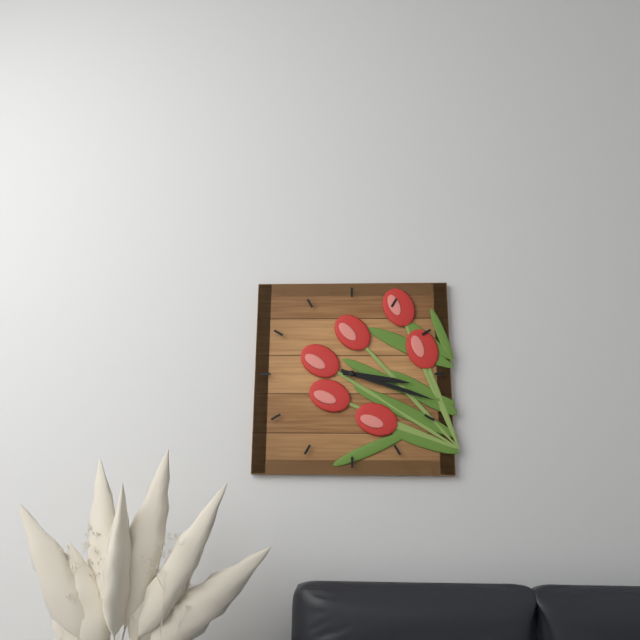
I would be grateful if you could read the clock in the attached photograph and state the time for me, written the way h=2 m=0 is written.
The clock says h=3 m=18
